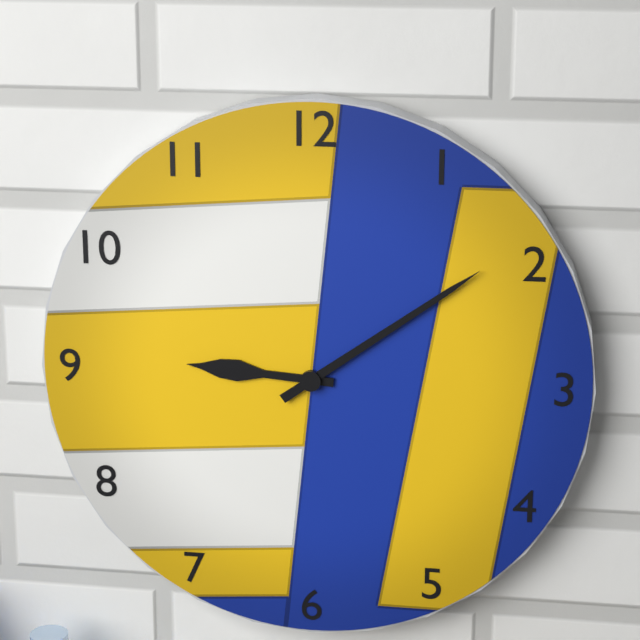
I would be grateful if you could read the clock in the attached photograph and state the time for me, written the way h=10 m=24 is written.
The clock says h=9 m=9
